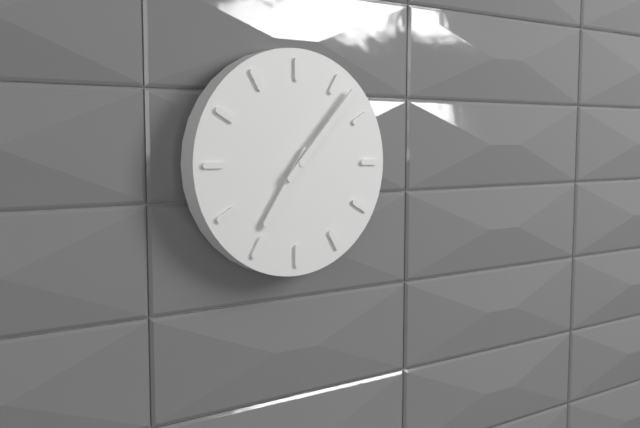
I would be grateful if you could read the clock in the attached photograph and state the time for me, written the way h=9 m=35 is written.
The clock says h=7 m=7
